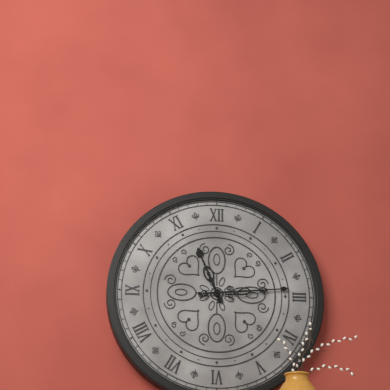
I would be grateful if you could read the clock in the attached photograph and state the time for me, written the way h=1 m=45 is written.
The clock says h=11 m=14
